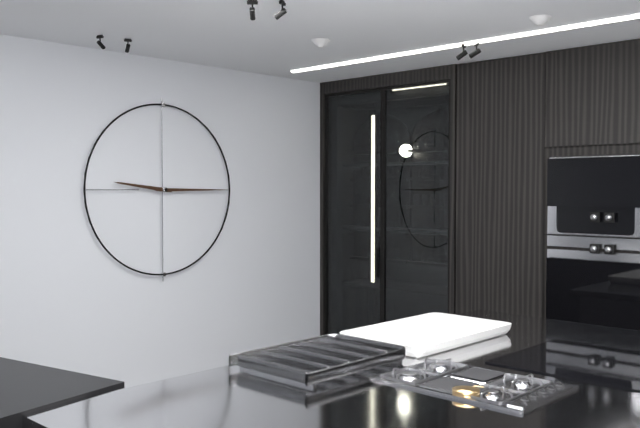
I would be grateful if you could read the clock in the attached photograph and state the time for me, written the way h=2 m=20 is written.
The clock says h=9 m=15
